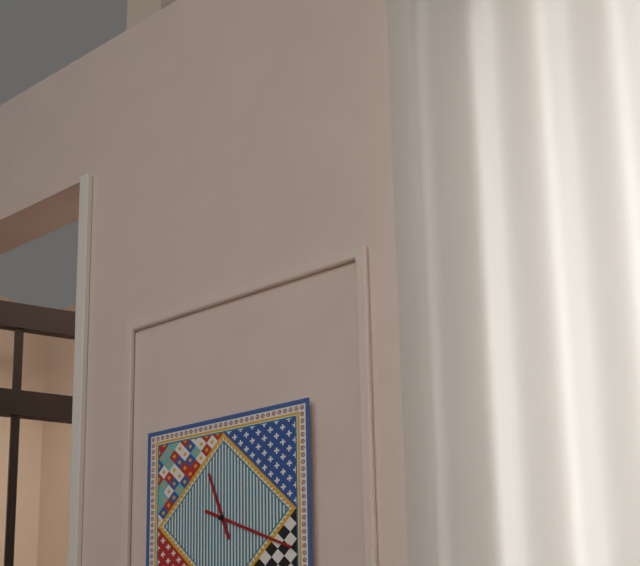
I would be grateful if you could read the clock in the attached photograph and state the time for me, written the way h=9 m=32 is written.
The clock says h=11 m=19
